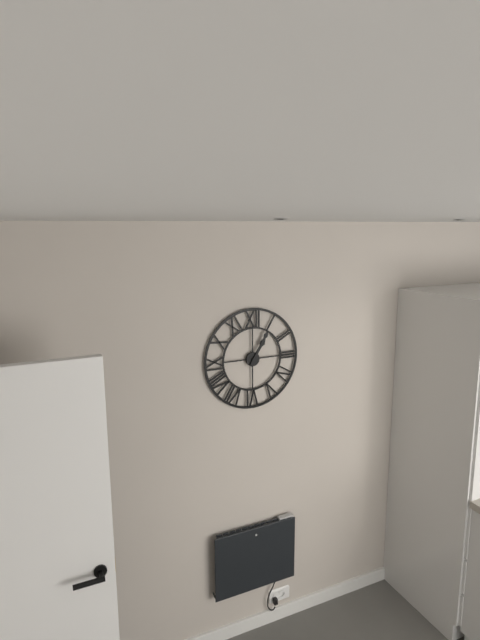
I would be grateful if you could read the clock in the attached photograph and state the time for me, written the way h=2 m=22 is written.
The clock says h=1 m=5
